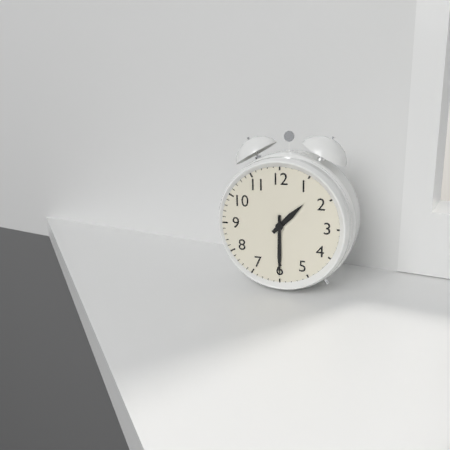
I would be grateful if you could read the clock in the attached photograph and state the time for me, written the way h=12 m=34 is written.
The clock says h=1 m=30
